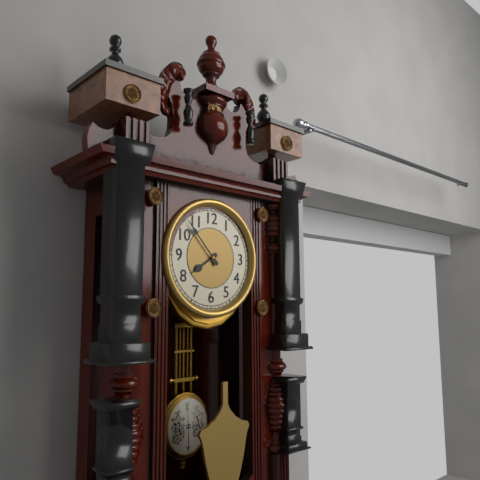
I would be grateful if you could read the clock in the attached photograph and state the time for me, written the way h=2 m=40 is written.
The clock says h=7 m=53
